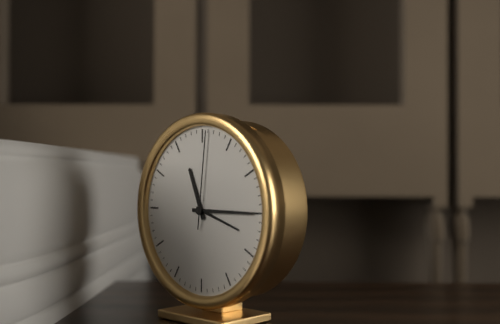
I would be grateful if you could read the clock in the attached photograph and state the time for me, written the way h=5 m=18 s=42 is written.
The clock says h=11 m=15 s=1
